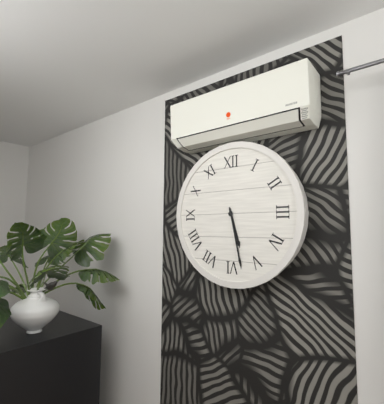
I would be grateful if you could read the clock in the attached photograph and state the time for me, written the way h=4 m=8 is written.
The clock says h=5 m=28
